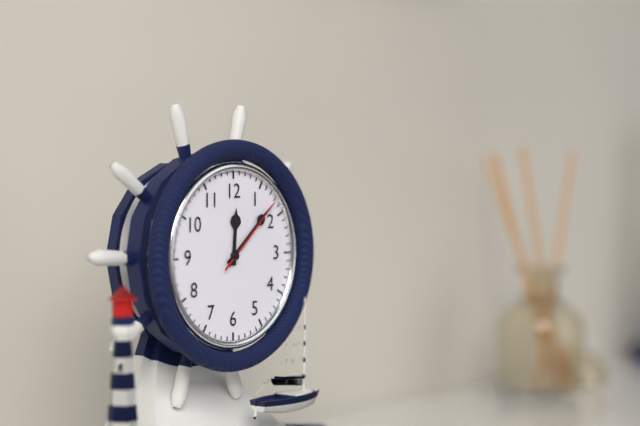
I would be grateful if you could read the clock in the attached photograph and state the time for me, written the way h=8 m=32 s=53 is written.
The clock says h=12 m=8 s=8
